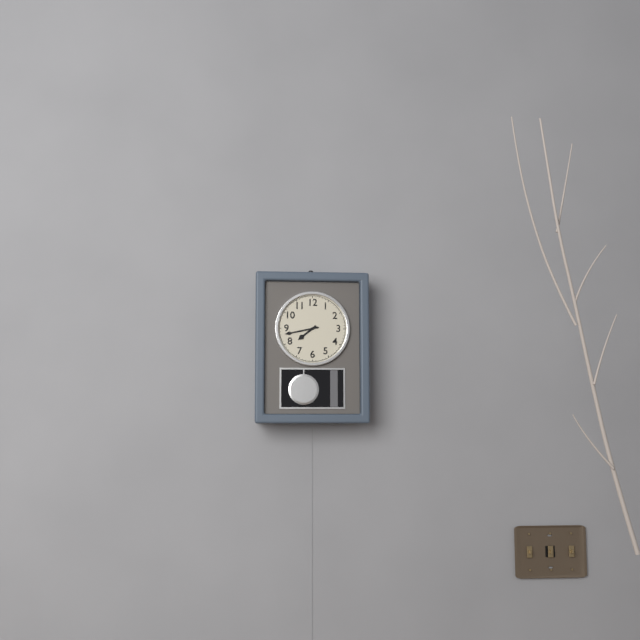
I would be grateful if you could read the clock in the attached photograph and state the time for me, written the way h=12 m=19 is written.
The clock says h=7 m=43
